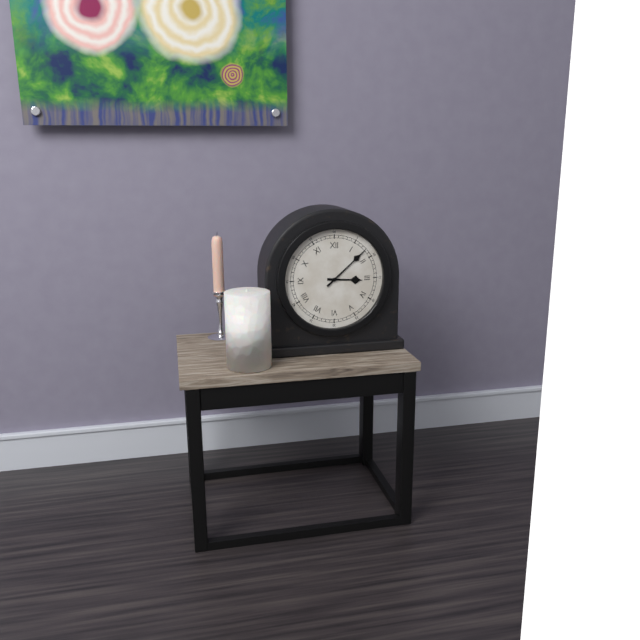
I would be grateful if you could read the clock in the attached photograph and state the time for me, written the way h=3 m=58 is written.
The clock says h=3 m=8
